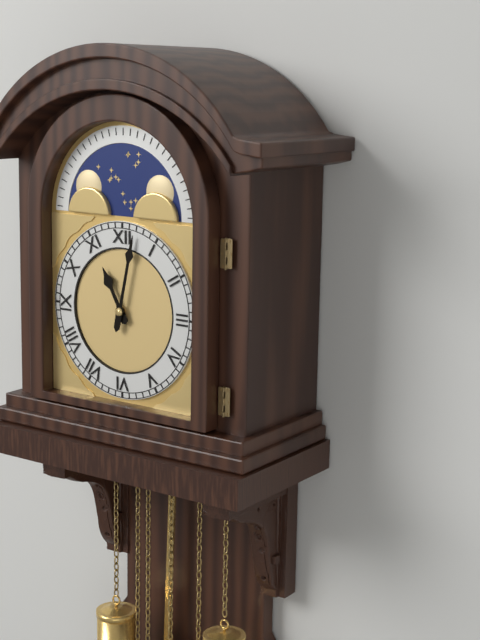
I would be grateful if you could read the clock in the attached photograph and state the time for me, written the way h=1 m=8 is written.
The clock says h=11 m=2
